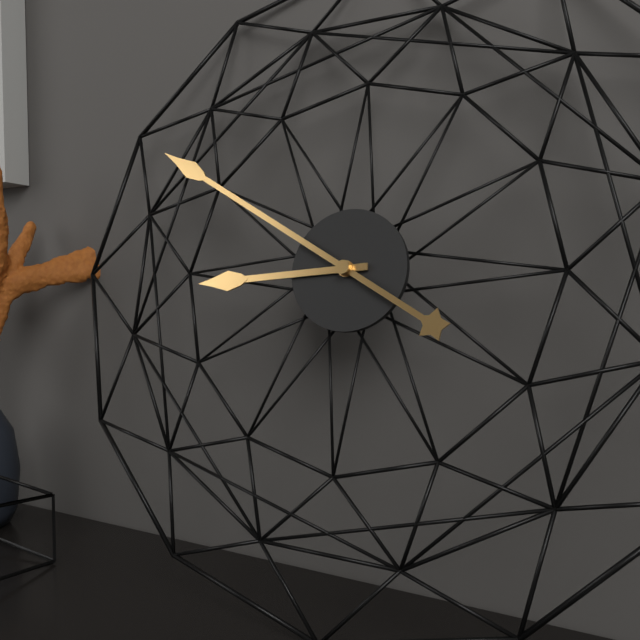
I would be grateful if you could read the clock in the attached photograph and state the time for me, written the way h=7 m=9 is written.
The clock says h=8 m=50
